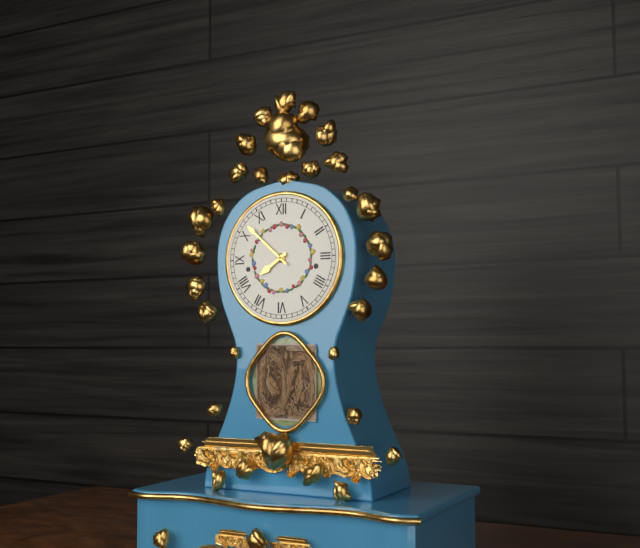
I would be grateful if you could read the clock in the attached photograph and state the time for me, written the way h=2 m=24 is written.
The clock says h=7 m=52
